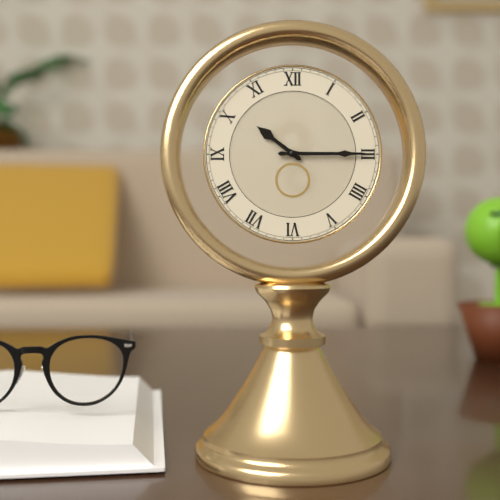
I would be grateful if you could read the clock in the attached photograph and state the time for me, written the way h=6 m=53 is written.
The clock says h=10 m=15
